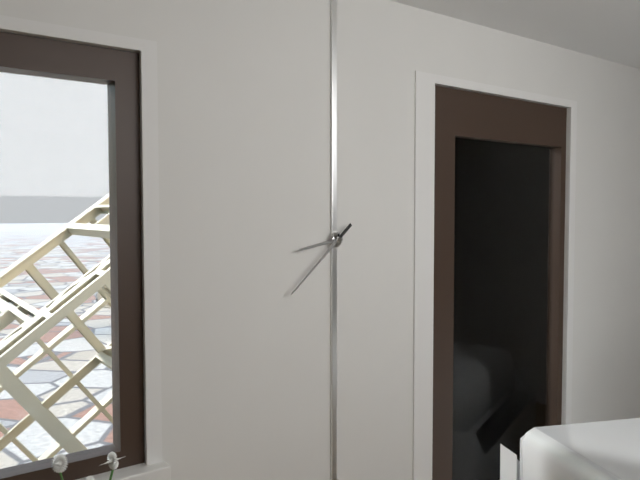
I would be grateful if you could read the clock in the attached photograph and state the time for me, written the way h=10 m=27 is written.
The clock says h=8 m=38
